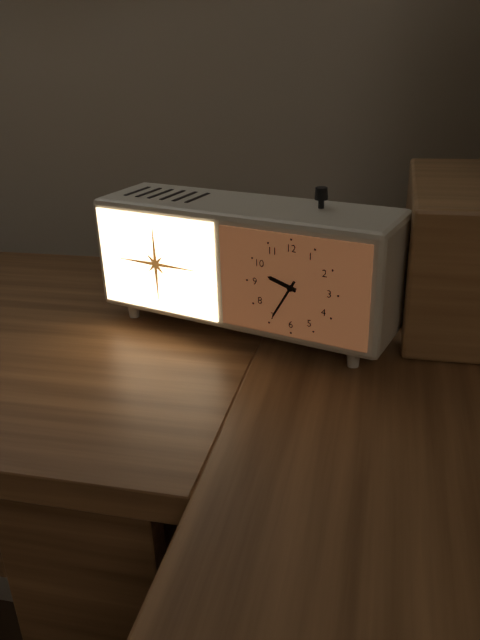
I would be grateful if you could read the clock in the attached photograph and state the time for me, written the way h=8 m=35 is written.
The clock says h=9 m=35
